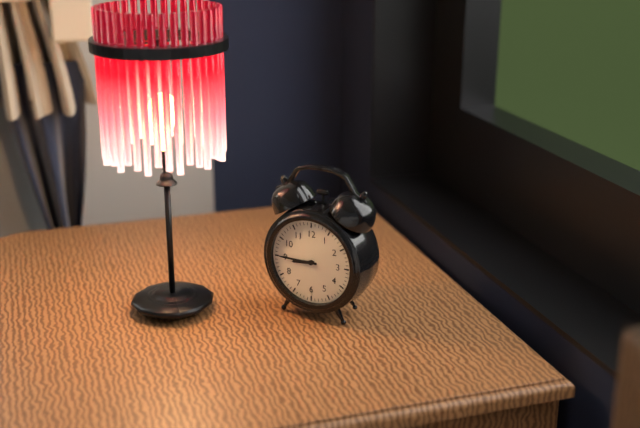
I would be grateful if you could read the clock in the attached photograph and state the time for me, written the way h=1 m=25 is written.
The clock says h=8 m=45
